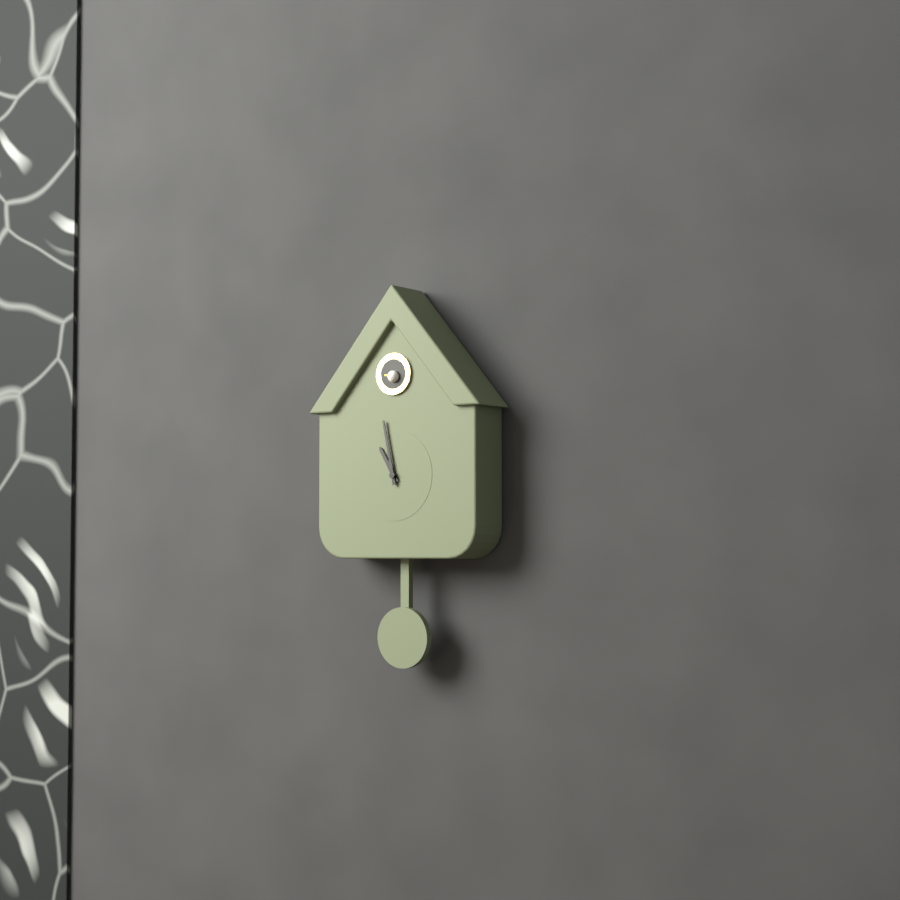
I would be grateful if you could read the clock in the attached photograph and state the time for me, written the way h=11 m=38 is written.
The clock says h=10 m=58
